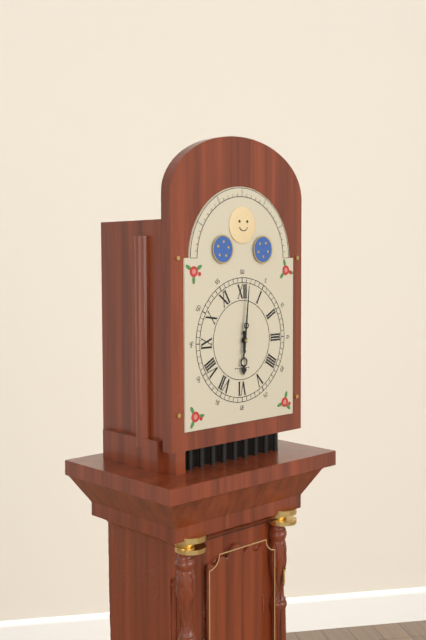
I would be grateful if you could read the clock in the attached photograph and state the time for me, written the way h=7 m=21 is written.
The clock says h=6 m=1
